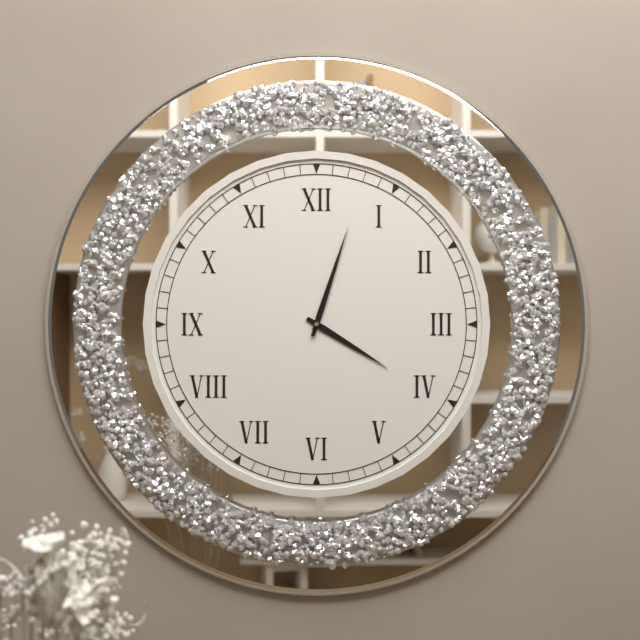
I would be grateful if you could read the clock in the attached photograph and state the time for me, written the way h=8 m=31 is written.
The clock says h=4 m=3
